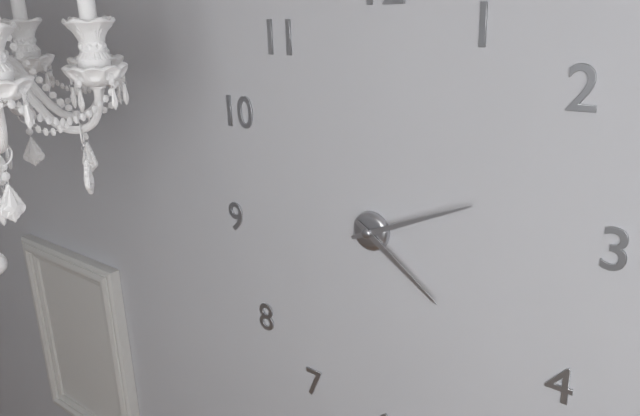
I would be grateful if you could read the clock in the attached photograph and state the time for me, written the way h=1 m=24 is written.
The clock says h=4 m=11
